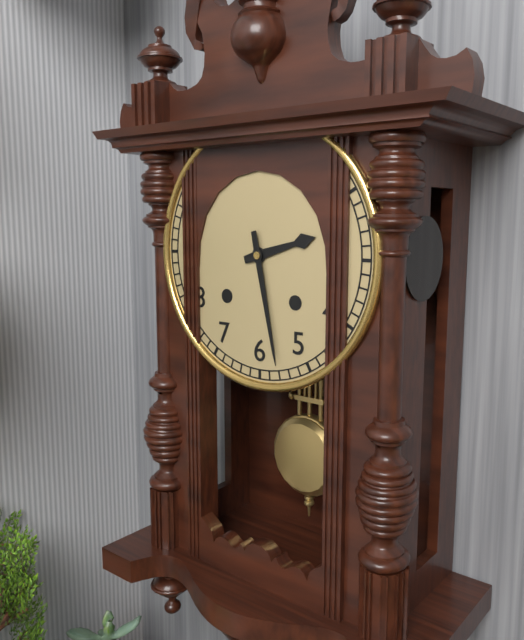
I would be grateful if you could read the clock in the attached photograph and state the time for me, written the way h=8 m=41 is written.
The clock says h=2 m=28
